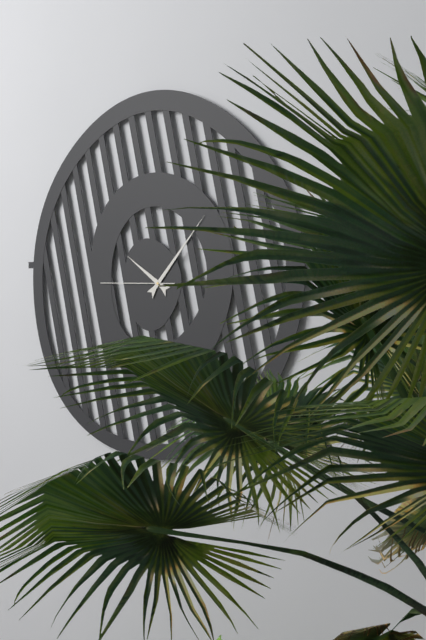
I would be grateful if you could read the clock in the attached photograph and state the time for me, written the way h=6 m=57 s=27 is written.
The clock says h=10 m=7 s=45
